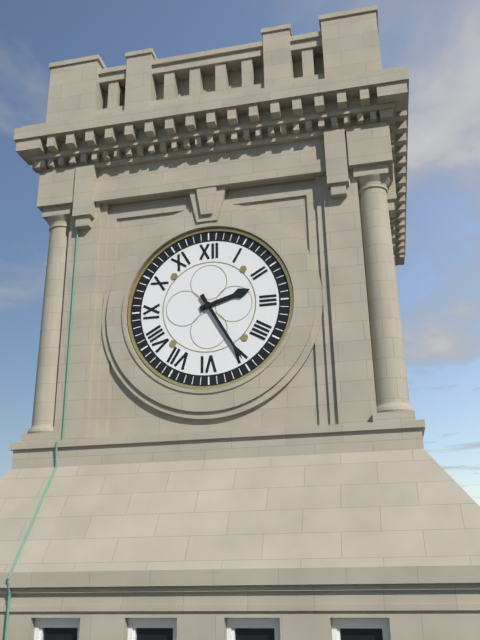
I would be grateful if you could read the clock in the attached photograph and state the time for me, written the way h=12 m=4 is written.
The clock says h=2 m=25
